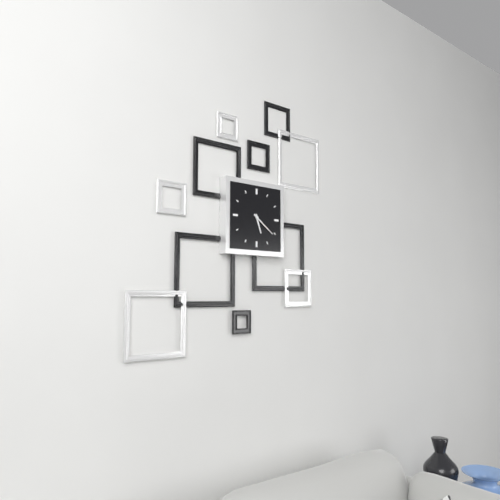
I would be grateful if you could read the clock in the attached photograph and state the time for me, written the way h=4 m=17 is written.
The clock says h=5 m=21
